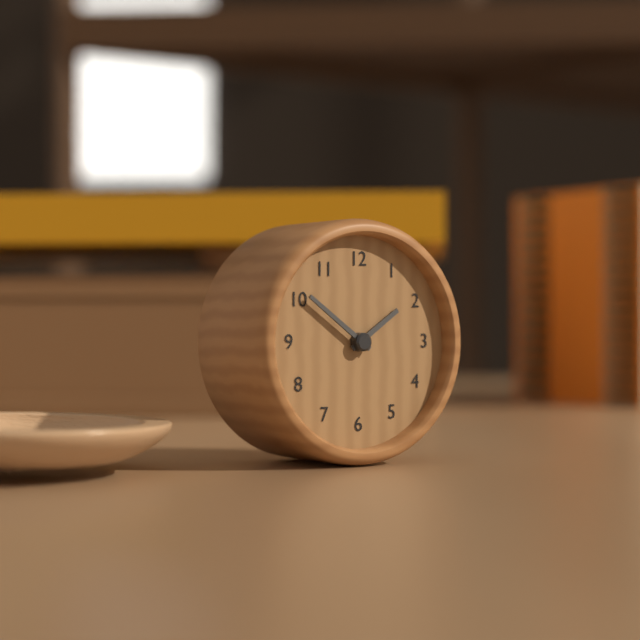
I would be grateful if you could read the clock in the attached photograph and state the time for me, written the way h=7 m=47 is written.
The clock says h=1 m=51
